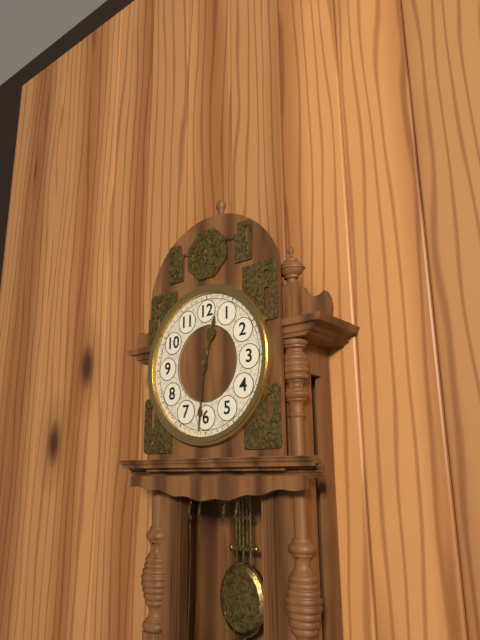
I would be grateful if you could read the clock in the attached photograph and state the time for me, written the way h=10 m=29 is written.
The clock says h=12 m=31
